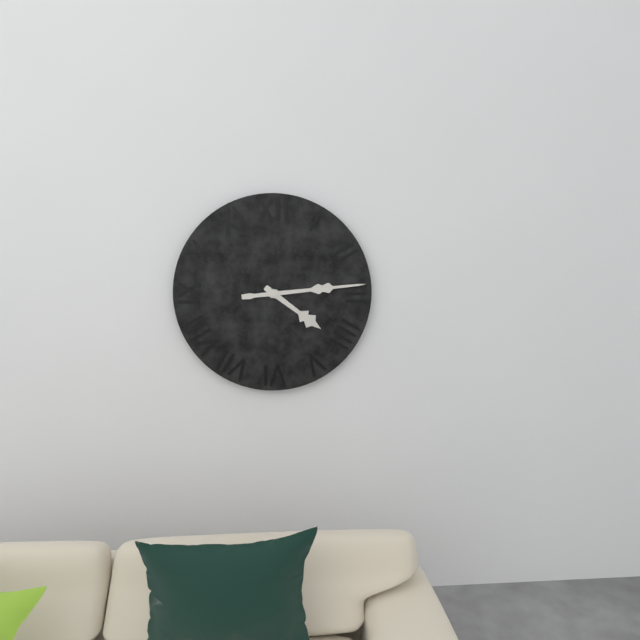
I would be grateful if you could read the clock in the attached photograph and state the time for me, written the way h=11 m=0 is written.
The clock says h=4 m=14
